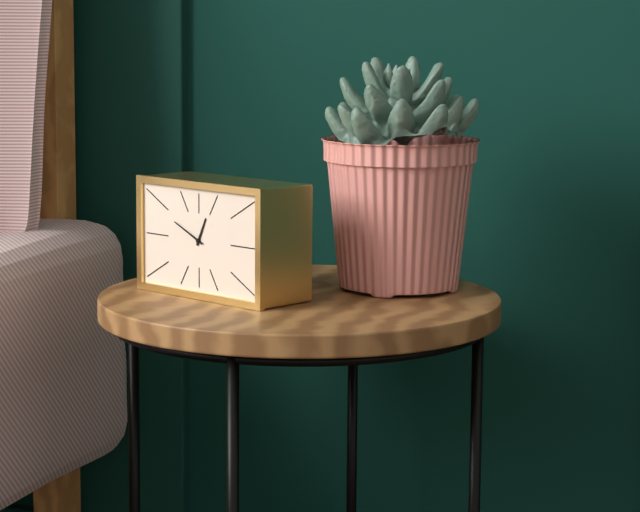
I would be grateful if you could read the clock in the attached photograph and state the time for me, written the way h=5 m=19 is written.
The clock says h=12 m=49
